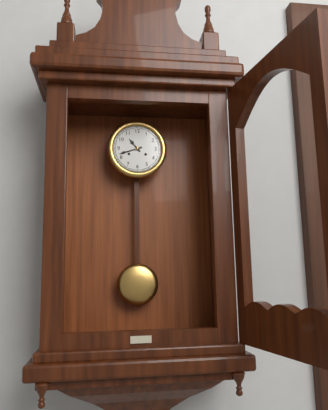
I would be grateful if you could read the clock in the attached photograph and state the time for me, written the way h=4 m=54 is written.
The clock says h=10 m=42
